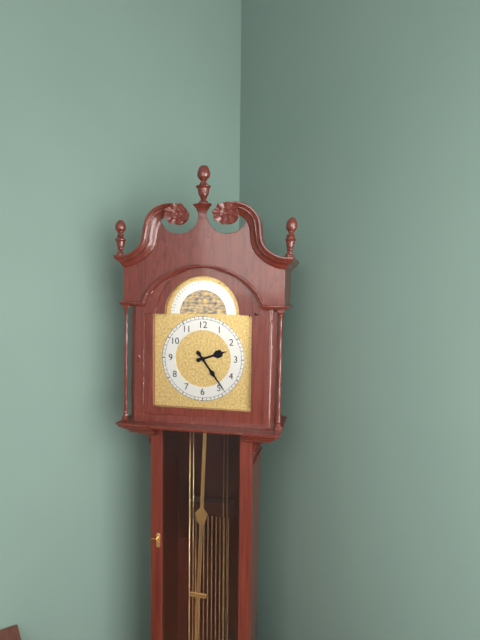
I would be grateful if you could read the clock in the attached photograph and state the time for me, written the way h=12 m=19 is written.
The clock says h=2 m=24
